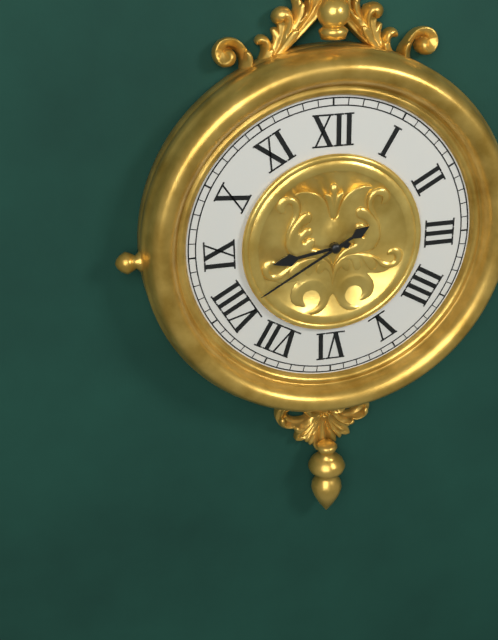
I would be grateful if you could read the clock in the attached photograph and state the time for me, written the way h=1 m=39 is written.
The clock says h=8 m=40
